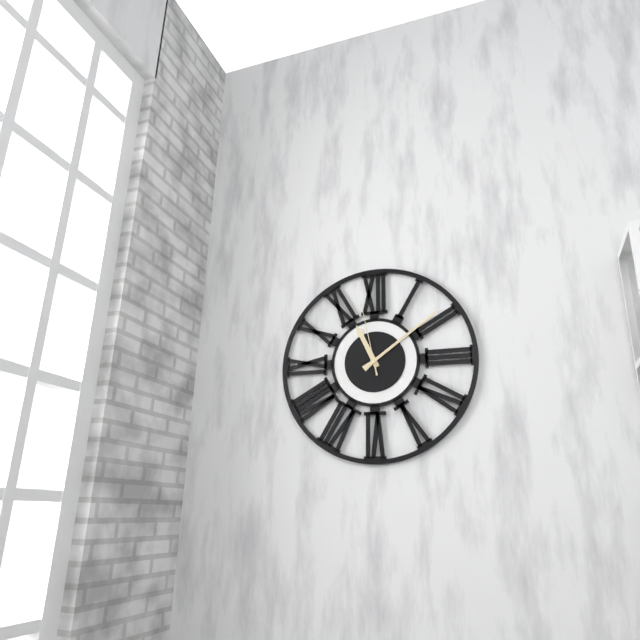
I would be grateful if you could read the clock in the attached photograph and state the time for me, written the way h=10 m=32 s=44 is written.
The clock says h=11 m=9 s=58
